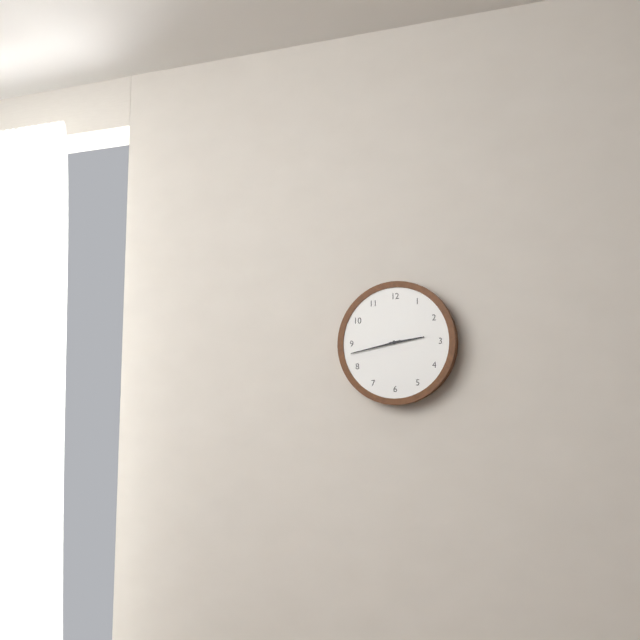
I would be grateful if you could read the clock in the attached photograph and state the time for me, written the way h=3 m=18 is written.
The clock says h=2 m=43
